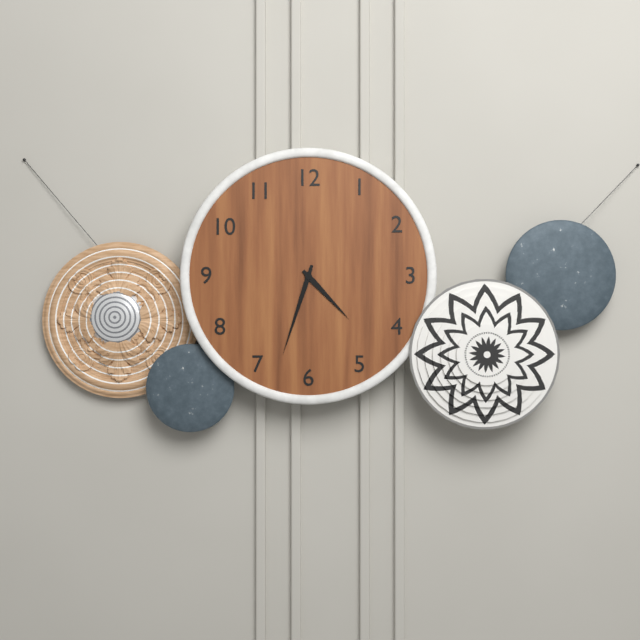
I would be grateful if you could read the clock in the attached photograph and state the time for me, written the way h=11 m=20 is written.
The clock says h=4 m=33
